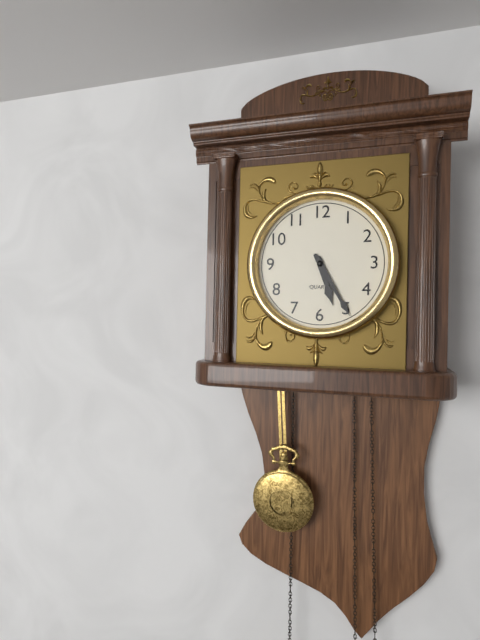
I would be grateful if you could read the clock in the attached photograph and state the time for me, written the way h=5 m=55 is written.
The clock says h=5 m=25
